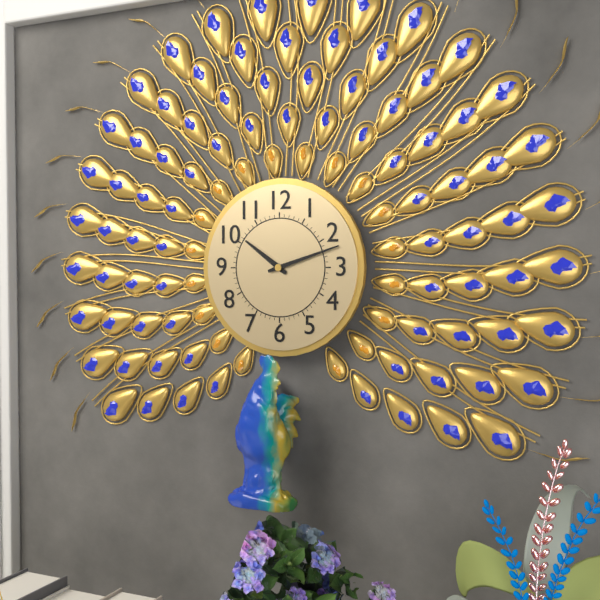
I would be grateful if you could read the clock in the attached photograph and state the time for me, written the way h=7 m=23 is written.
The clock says h=10 m=12
